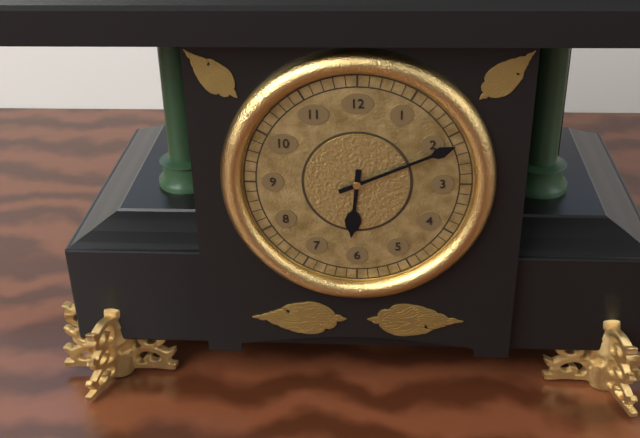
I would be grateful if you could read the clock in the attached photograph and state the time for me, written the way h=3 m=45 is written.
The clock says h=6 m=11
